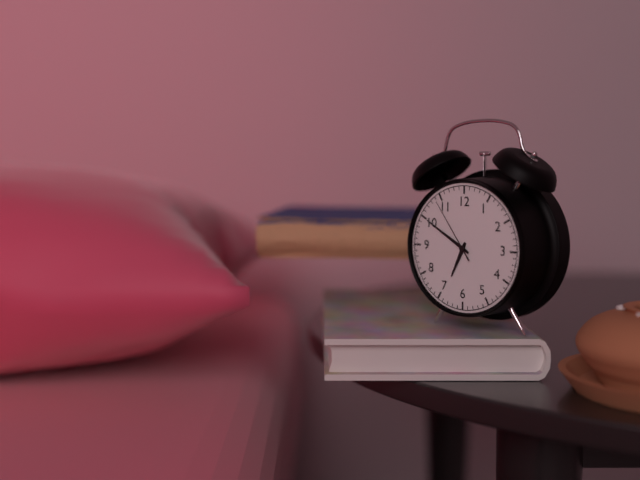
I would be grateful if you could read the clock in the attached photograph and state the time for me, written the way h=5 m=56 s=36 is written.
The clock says h=6 m=50 s=54
